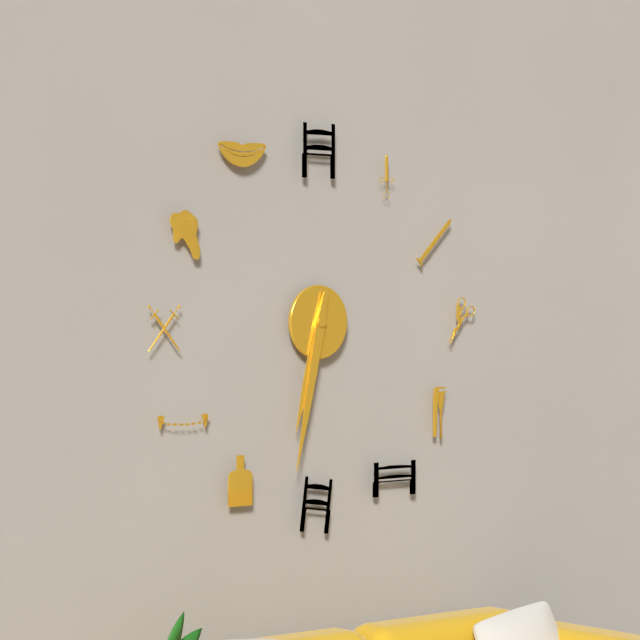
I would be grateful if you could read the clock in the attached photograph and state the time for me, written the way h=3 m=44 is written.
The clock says h=6 m=32
